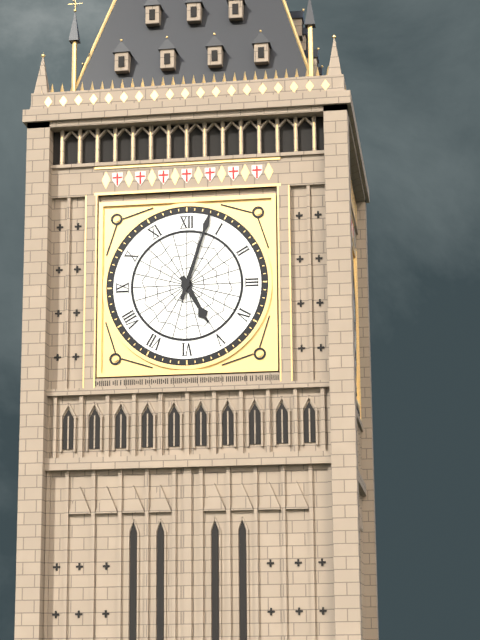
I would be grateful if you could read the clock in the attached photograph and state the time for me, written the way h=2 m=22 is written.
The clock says h=5 m=3
